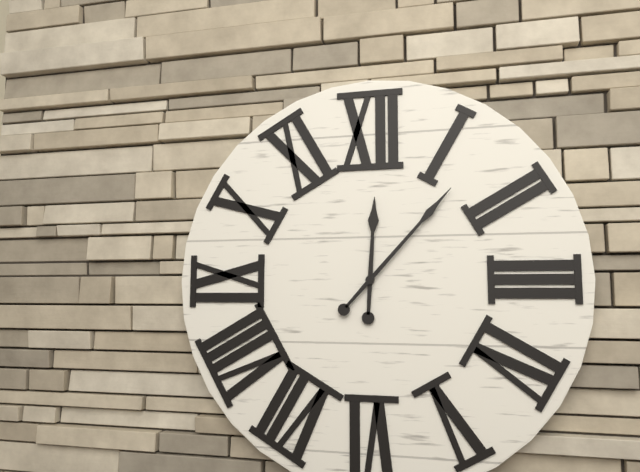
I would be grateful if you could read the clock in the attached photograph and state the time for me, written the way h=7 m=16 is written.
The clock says h=12 m=7
